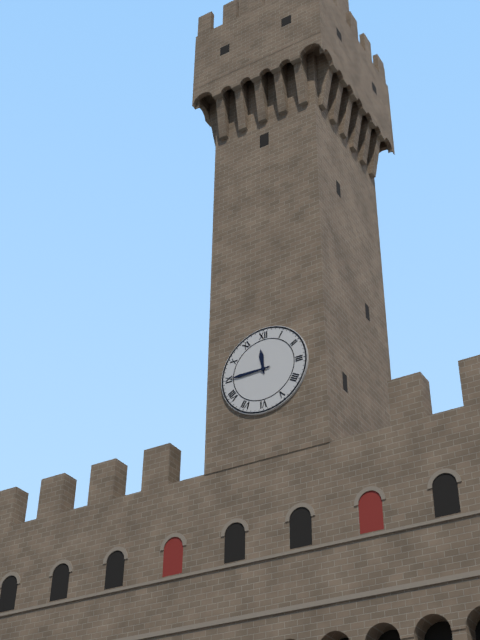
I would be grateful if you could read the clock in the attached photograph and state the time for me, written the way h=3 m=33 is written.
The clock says h=11 m=45
